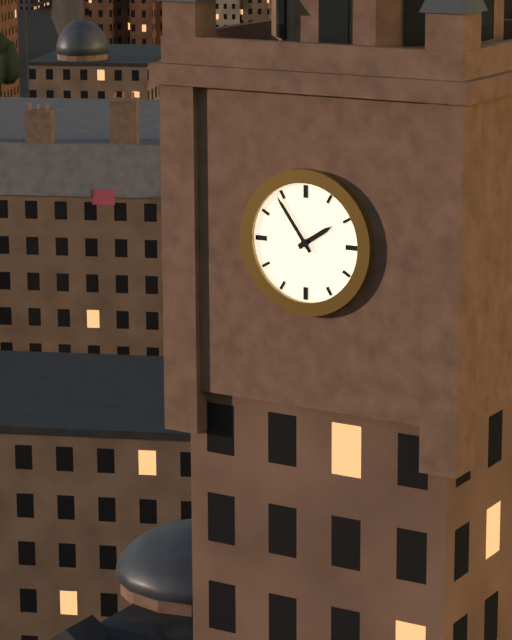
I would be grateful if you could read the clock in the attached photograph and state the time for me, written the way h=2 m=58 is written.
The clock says h=1 m=54
